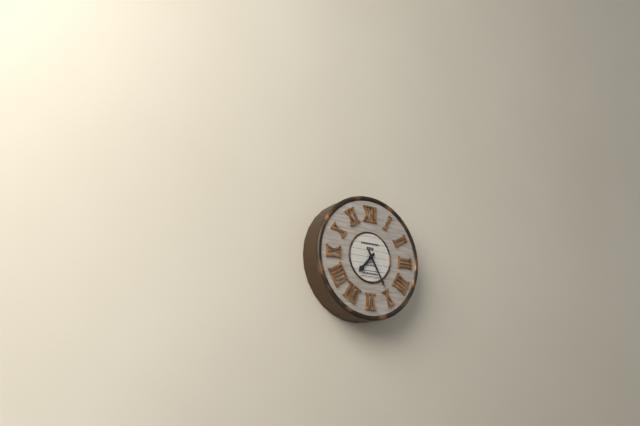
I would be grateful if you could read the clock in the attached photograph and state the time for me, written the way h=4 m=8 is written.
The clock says h=7 m=25
